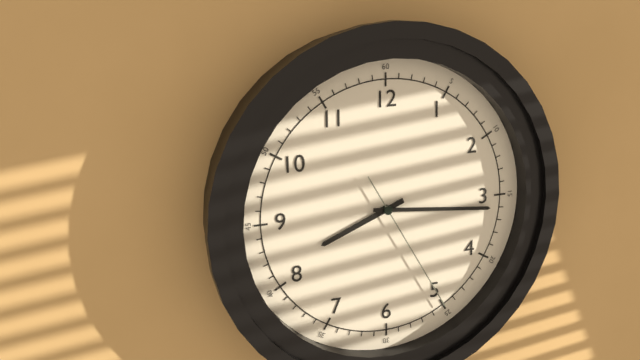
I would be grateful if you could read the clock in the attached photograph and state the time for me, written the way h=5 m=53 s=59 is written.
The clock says h=8 m=16 s=25
